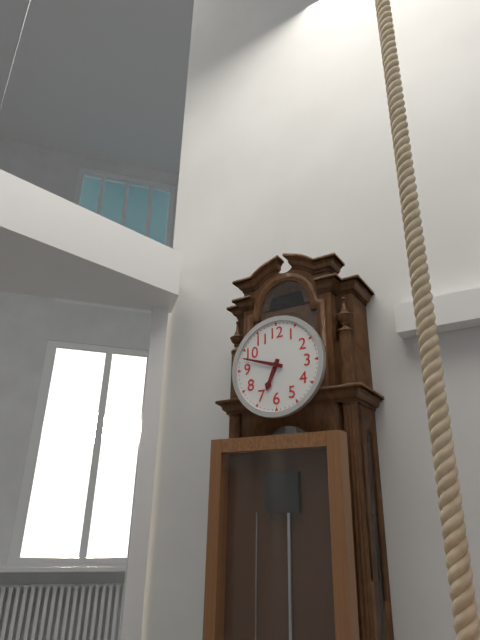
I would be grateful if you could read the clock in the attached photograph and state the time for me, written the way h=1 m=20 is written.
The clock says h=6 m=48
